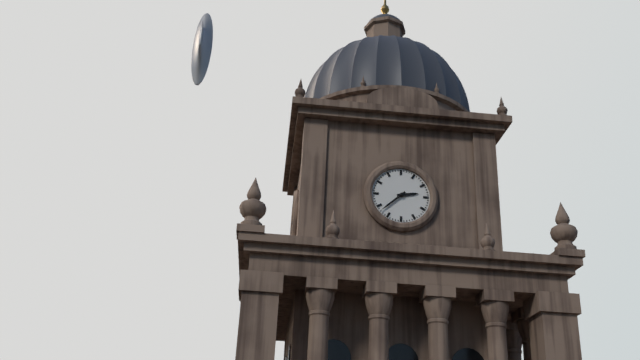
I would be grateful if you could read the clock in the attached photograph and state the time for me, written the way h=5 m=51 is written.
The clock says h=2 m=38
